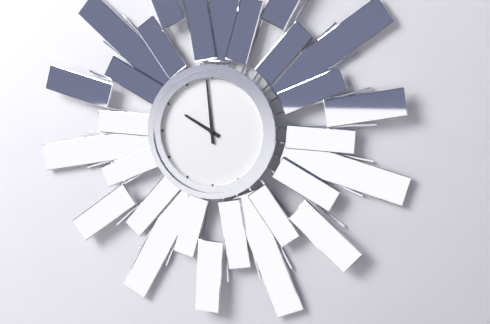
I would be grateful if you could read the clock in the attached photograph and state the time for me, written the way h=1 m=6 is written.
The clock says h=9 m=59
